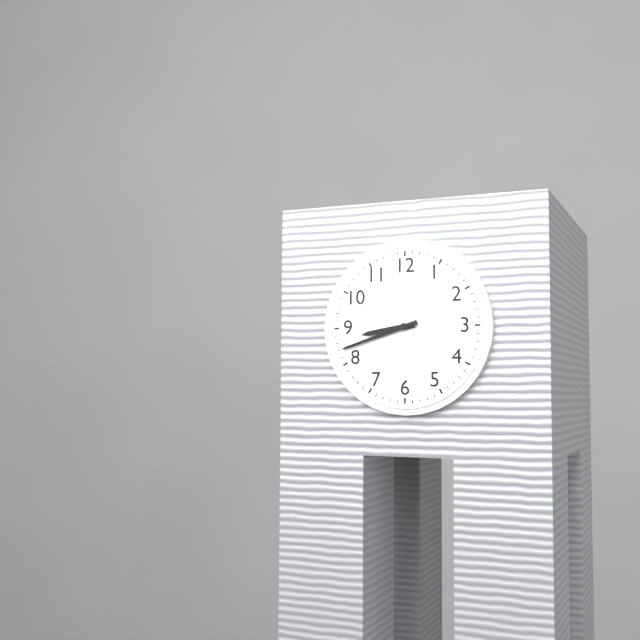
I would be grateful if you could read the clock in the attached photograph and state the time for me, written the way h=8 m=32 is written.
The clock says h=8 m=42
